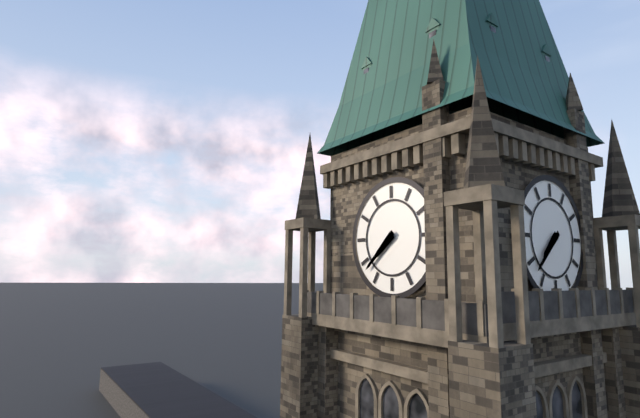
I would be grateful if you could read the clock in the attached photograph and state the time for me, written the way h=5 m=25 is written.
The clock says h=7 m=38
